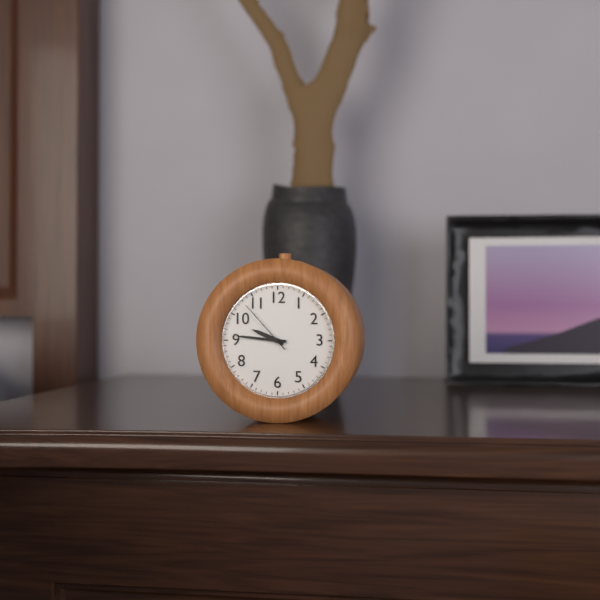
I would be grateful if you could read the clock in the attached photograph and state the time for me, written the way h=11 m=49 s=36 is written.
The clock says h=9 m=46 s=53
